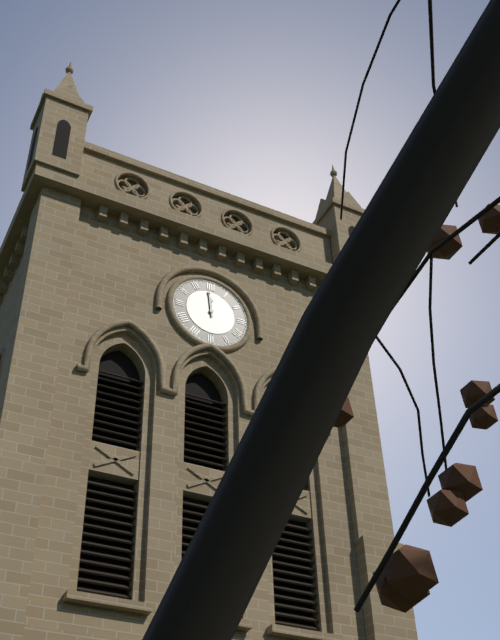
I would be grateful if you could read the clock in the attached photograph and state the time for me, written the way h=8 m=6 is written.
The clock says h=11 m=59
